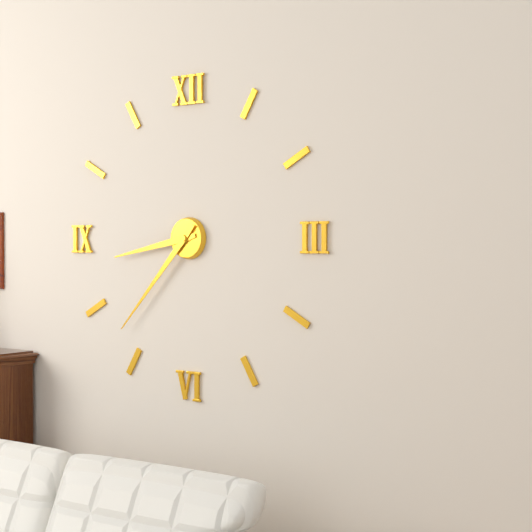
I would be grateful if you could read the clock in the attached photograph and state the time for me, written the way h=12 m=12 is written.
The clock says h=8 m=37
